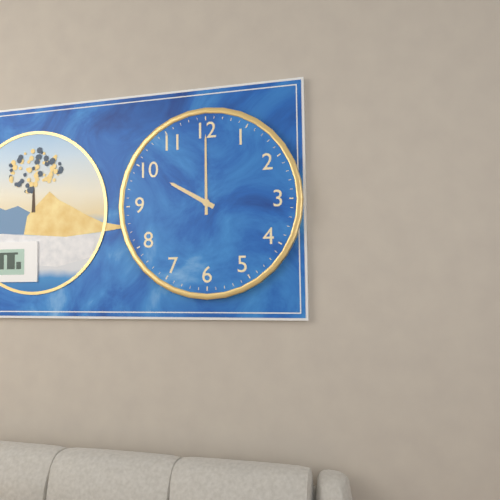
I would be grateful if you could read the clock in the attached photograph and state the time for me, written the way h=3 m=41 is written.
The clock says h=10 m=0
